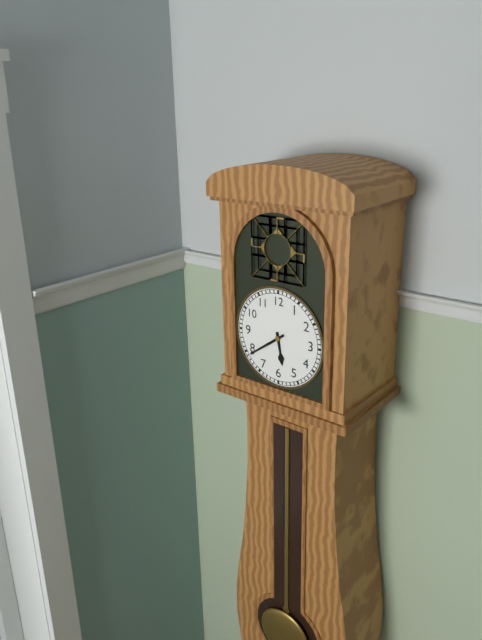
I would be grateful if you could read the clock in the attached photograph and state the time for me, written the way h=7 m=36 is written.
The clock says h=5 m=39
